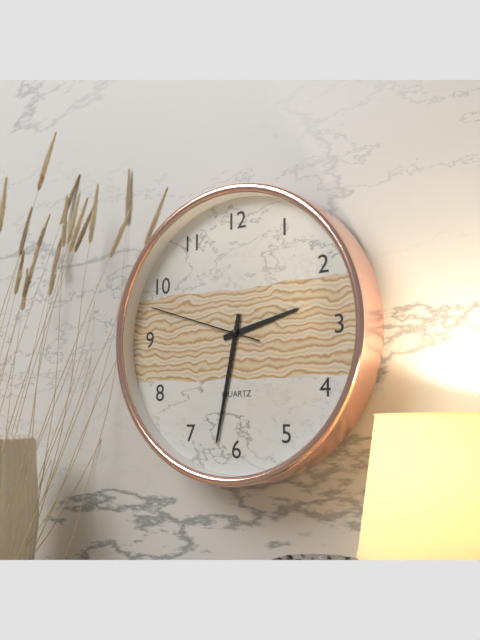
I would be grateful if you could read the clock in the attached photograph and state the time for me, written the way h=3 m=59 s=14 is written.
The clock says h=2 m=32 s=48
